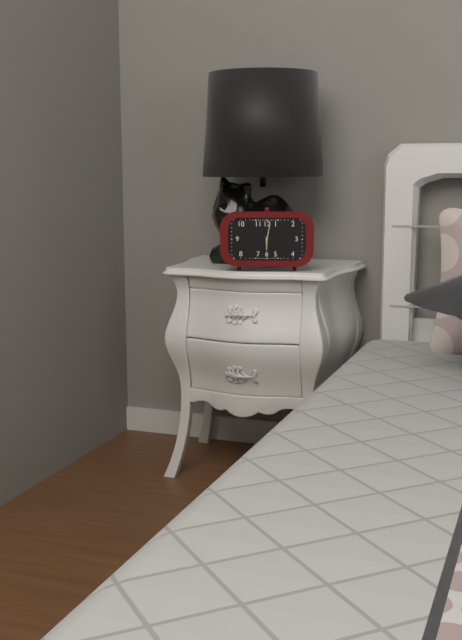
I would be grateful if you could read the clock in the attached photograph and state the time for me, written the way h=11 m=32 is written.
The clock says h=6 m=2
